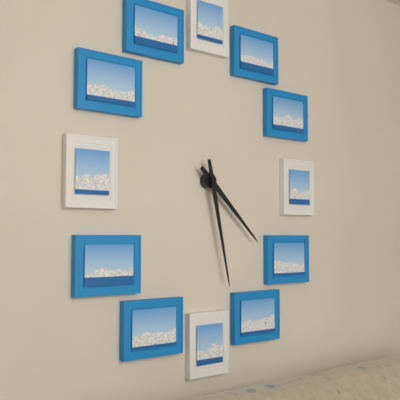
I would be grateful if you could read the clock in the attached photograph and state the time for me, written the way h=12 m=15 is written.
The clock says h=4 m=28
